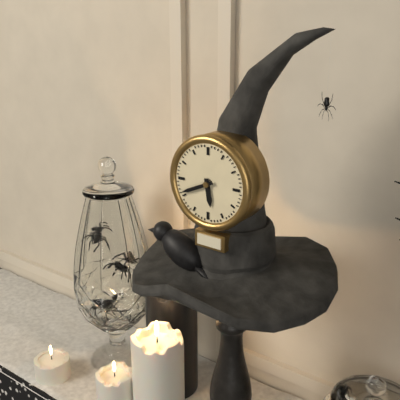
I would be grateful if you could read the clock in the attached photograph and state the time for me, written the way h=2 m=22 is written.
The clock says h=5 m=41
